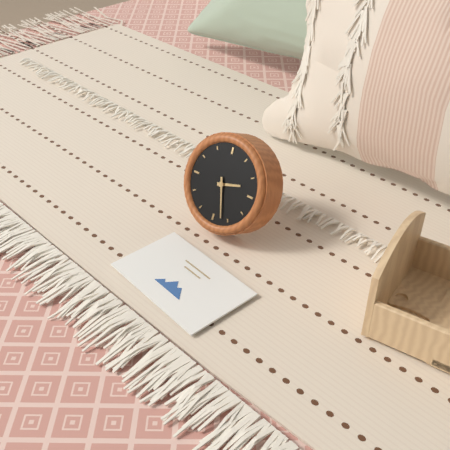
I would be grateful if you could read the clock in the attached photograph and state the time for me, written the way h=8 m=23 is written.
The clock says h=2 m=27
